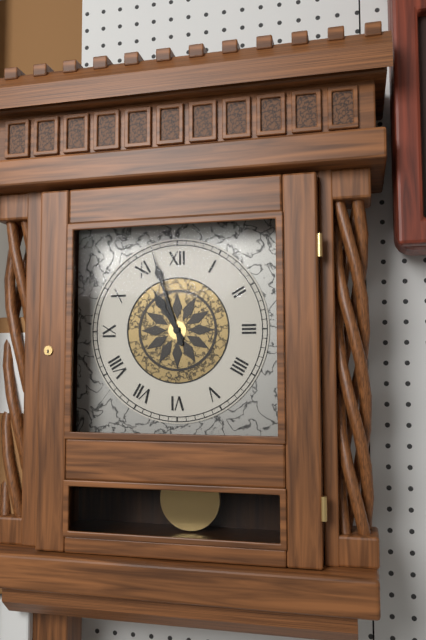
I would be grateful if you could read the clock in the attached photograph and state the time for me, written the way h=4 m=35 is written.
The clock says h=10 m=57
